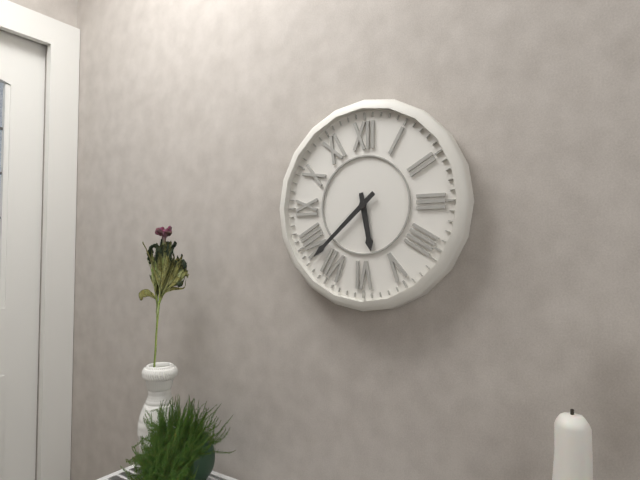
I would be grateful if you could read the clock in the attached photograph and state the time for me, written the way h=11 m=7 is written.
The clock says h=5 m=38
